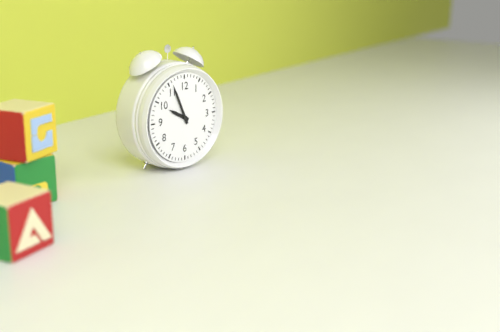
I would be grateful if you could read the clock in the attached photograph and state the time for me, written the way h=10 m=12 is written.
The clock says h=9 m=56
